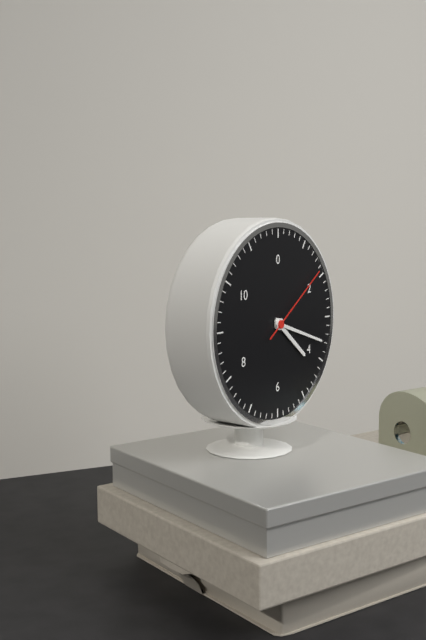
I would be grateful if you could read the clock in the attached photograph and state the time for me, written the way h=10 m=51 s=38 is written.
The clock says h=4 m=18 s=9
